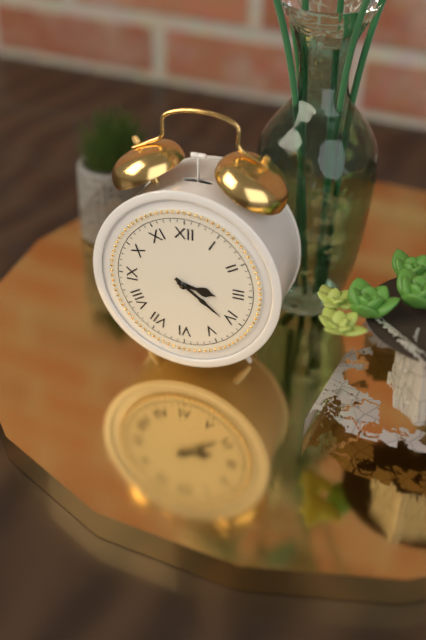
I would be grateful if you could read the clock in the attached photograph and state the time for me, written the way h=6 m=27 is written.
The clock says h=3 m=21
